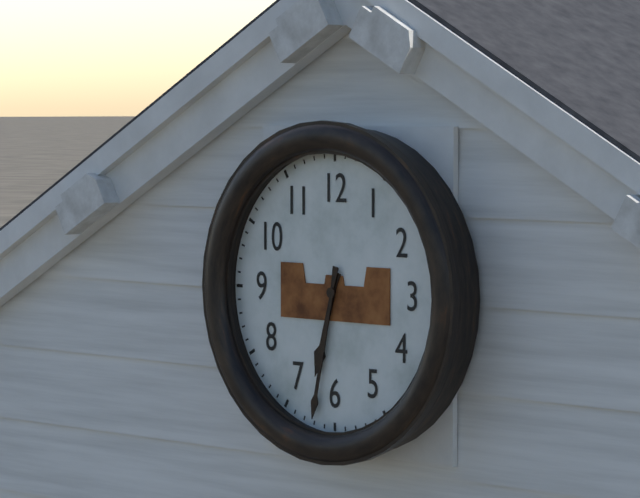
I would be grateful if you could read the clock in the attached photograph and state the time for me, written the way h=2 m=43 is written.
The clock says h=6 m=32
